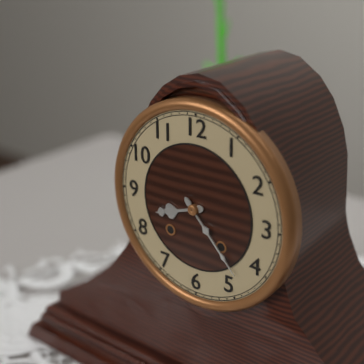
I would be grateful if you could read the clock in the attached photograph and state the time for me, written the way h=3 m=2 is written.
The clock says h=8 m=23
